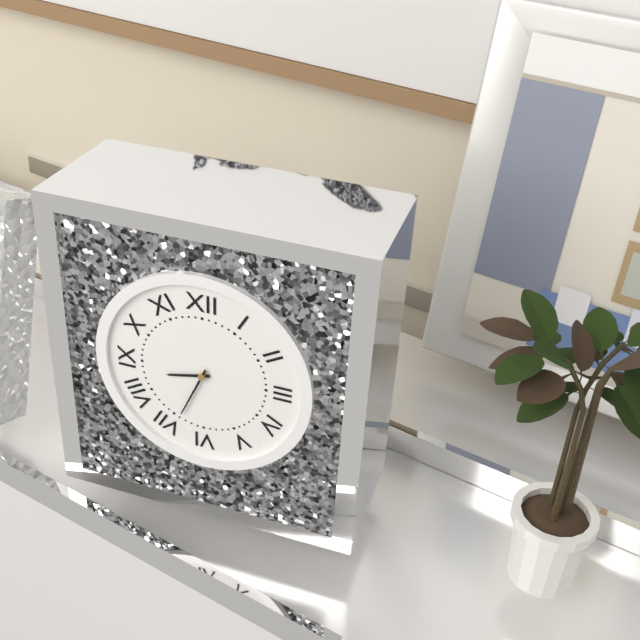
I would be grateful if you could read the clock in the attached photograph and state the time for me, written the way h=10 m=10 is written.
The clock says h=8 m=34
